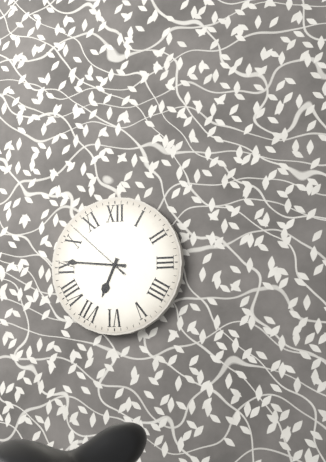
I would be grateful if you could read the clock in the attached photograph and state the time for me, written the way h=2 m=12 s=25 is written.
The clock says h=6 m=46 s=52
